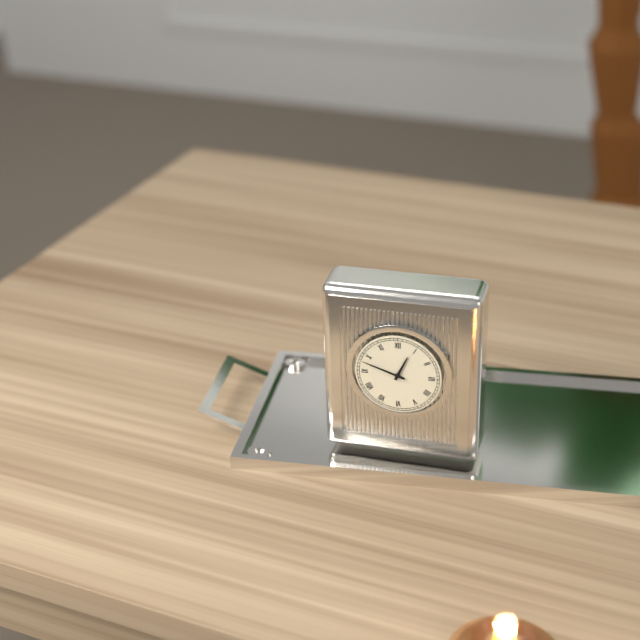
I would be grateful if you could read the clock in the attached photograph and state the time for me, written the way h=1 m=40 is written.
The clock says h=12 m=48
